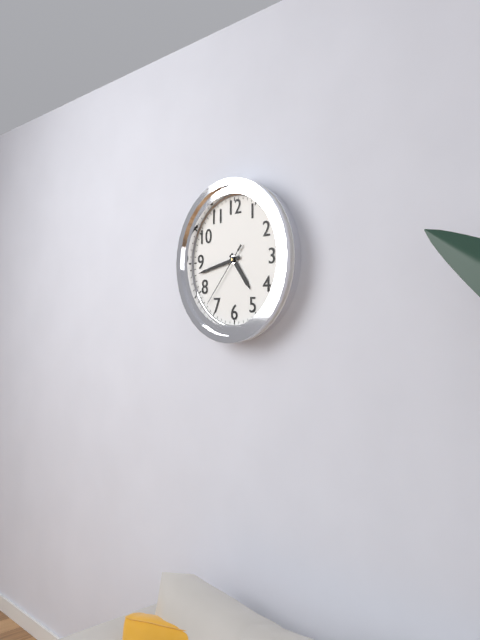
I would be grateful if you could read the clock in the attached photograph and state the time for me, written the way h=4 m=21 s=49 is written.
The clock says h=4 m=43 s=37
